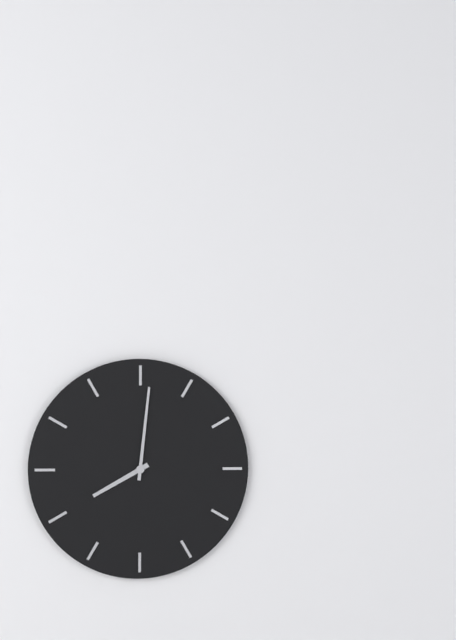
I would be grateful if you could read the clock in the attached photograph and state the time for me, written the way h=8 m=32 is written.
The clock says h=8 m=1
